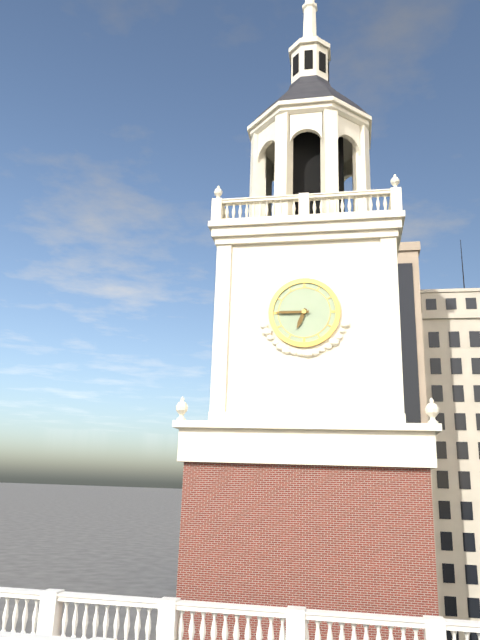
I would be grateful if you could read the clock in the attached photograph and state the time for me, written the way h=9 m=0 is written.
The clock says h=6 m=45
